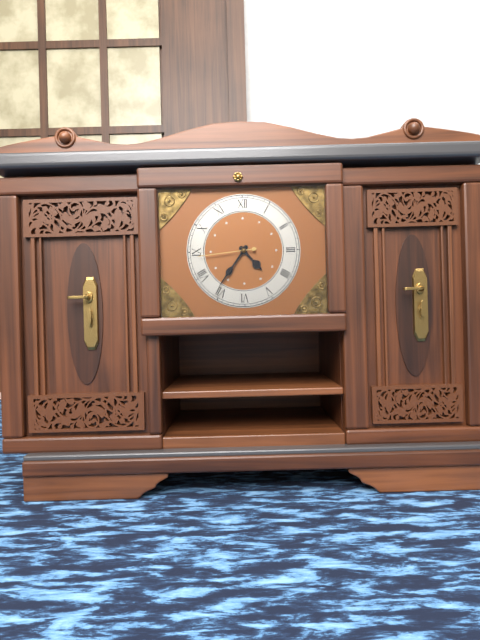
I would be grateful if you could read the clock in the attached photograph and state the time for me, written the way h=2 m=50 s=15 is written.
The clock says h=4 m=36 s=44
